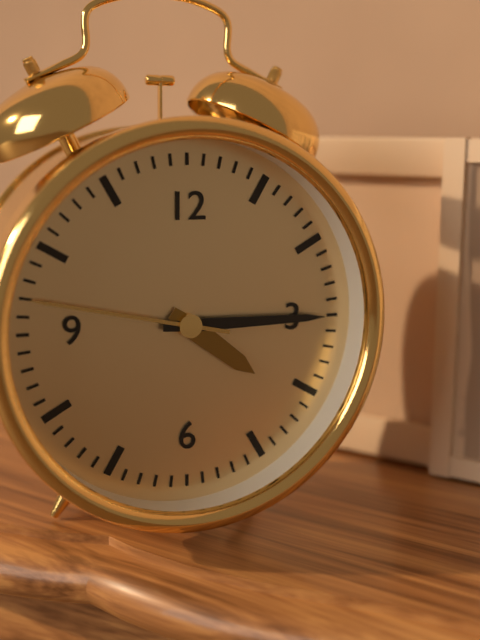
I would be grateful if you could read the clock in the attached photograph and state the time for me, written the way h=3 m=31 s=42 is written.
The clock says h=4 m=15 s=47
